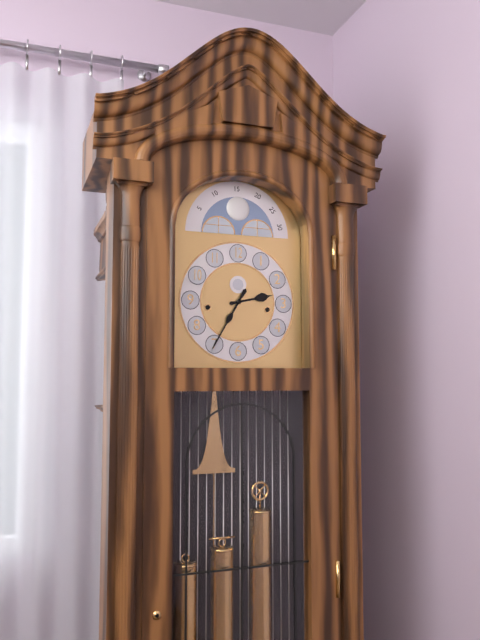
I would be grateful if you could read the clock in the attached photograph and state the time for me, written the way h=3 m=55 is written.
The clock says h=2 m=35
